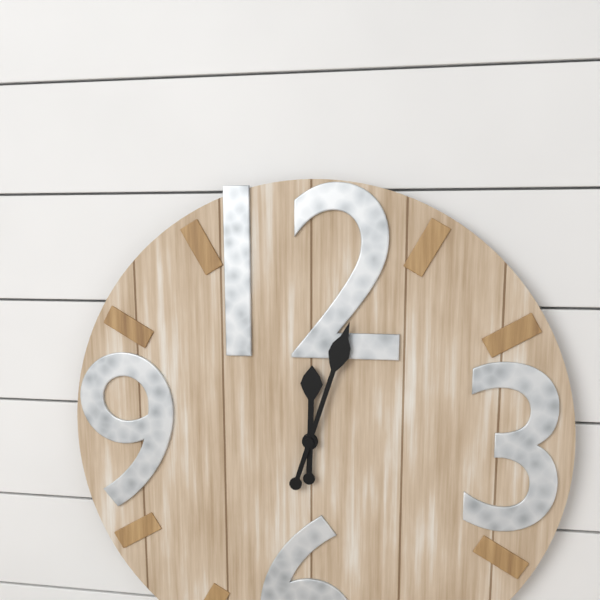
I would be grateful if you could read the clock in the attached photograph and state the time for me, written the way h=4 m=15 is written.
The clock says h=12 m=3
